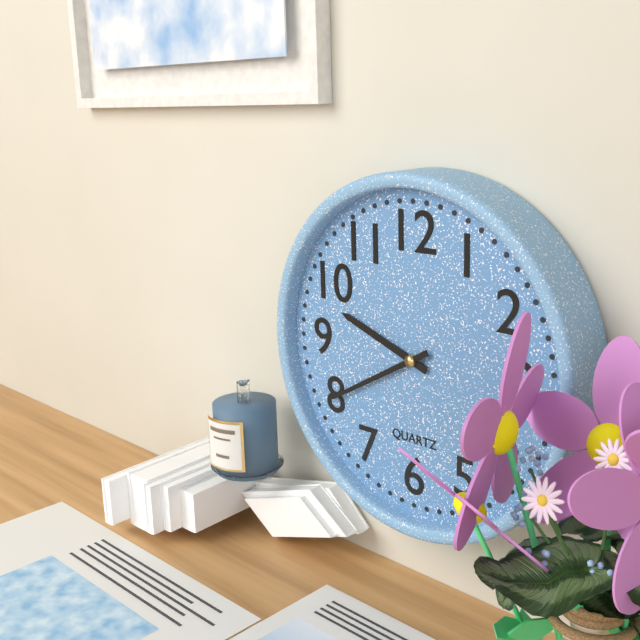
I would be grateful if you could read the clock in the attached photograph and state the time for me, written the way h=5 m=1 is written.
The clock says h=9 m=40
